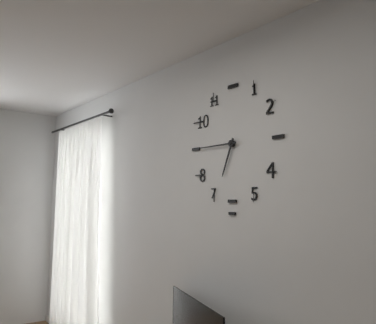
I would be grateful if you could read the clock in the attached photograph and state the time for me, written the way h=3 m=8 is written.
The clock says h=6 m=45
